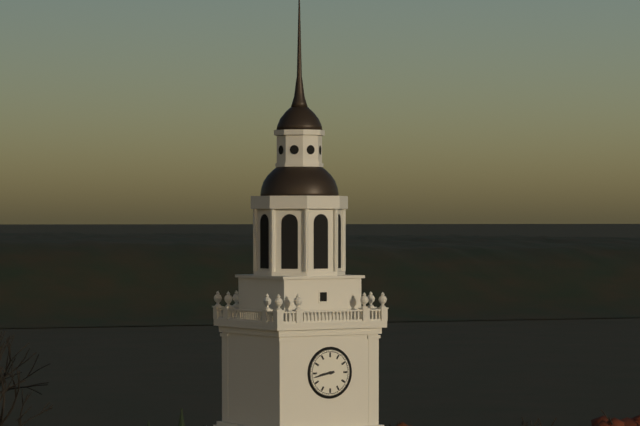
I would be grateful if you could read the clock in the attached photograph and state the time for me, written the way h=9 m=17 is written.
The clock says h=8 m=43
